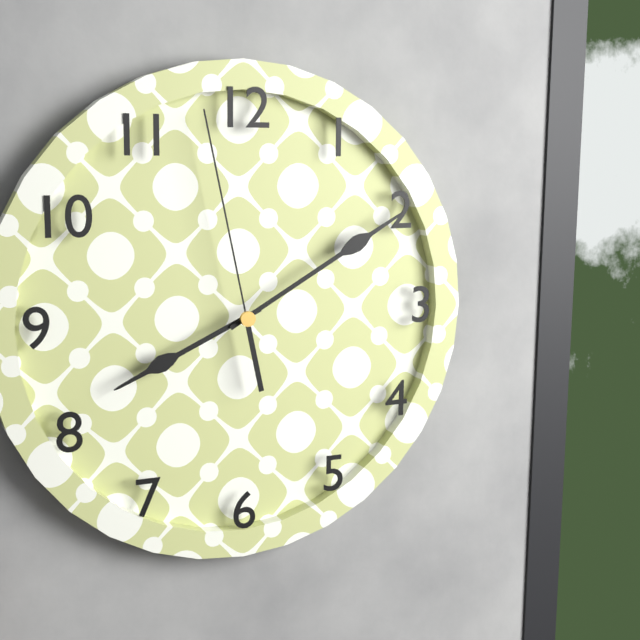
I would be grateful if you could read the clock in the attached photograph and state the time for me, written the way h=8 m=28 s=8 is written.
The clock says h=8 m=10 s=58
